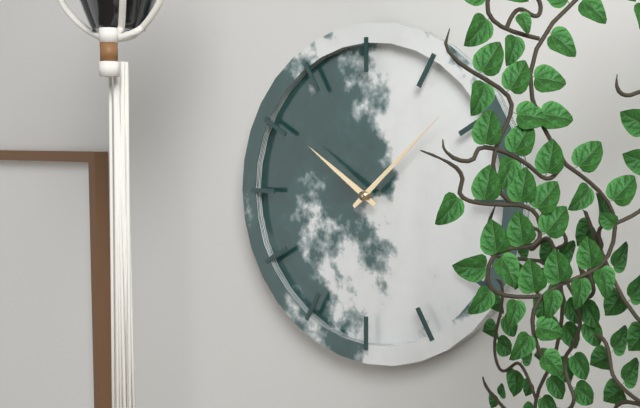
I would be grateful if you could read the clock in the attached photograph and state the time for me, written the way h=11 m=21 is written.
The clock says h=10 m=8
